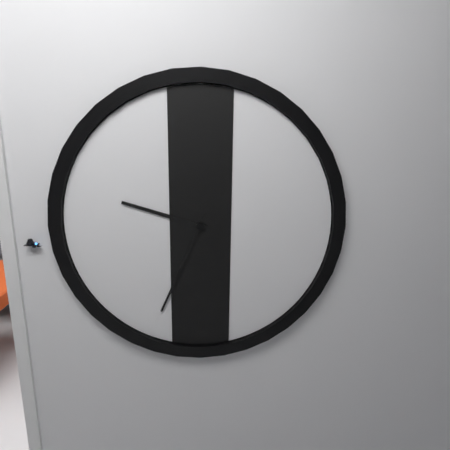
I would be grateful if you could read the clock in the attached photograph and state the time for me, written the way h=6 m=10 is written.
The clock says h=9 m=34
